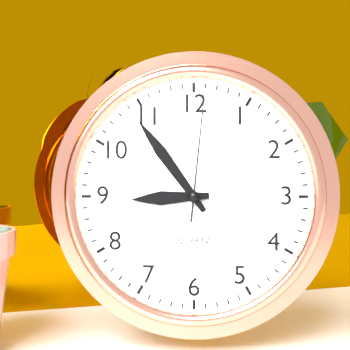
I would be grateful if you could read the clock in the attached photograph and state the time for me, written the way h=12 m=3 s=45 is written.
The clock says h=8 m=54 s=1
